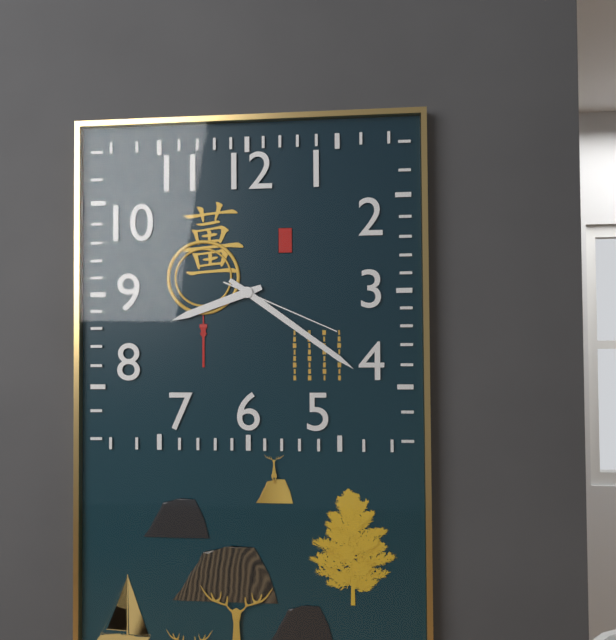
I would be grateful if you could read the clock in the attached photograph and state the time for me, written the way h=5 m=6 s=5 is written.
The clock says h=8 m=21 s=19
